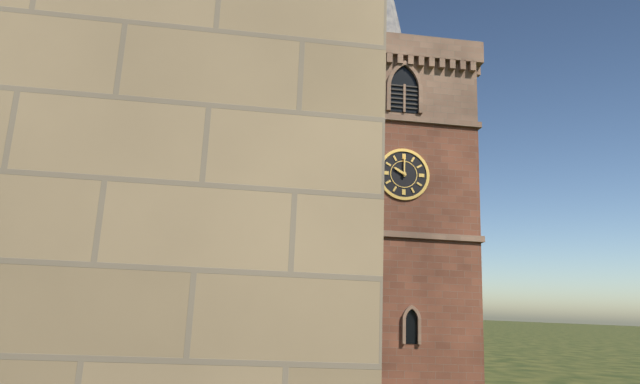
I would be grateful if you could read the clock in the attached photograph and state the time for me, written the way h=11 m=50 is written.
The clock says h=10 m=0
